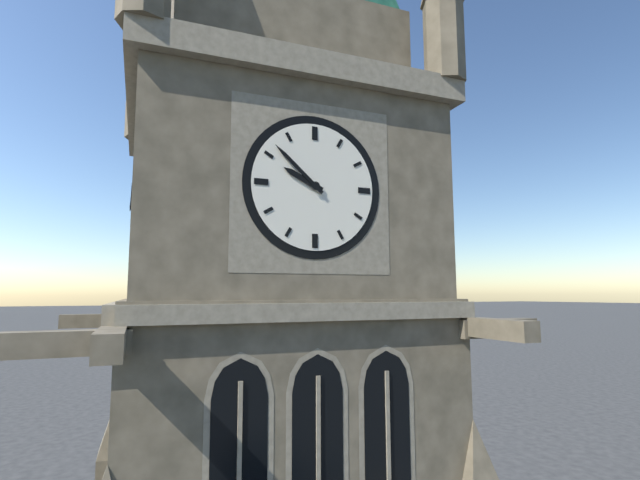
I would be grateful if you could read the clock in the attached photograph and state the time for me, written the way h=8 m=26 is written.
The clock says h=9 m=52
